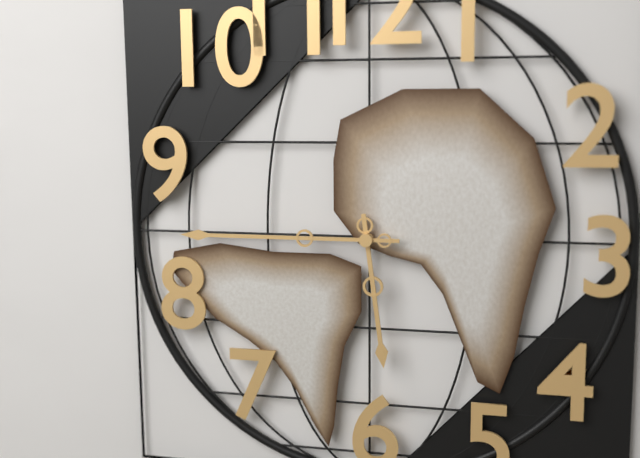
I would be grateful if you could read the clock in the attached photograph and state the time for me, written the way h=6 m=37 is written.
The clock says h=5 m=45
